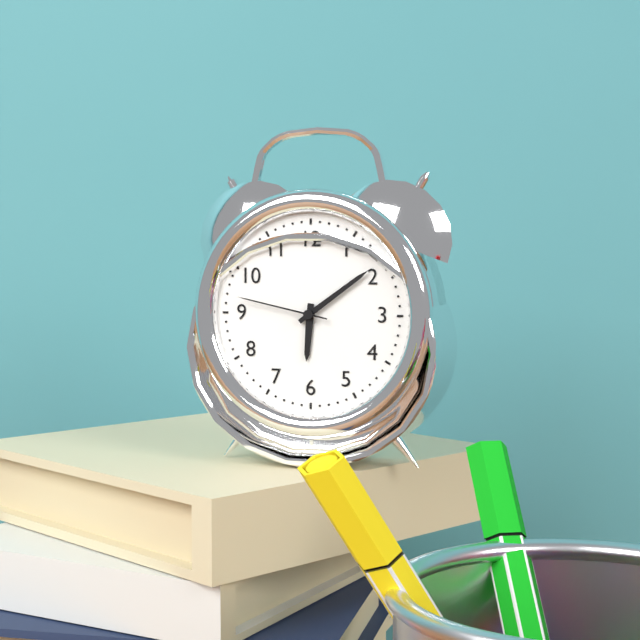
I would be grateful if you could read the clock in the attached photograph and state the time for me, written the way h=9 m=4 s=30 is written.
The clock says h=6 m=9 s=47
